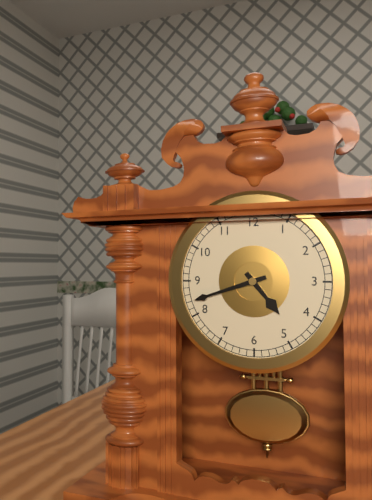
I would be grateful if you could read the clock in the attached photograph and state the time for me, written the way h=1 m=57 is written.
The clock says h=4 m=42
